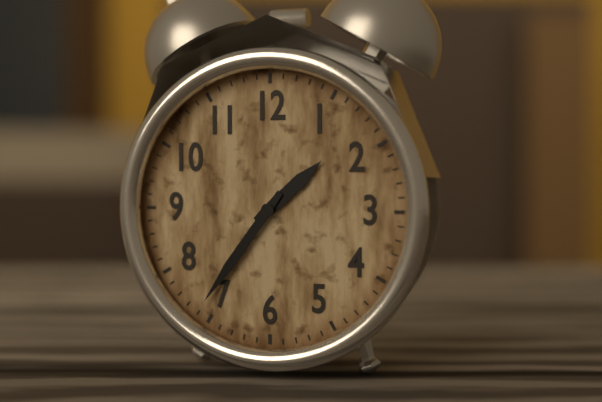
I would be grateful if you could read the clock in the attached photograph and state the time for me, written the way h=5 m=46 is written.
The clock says h=1 m=36
